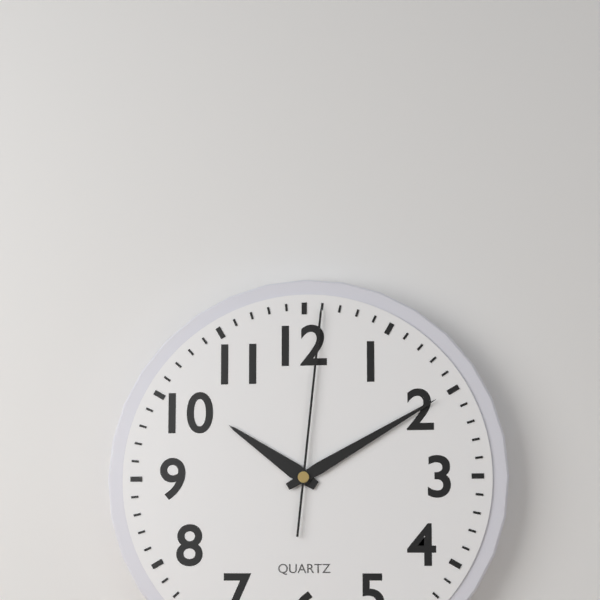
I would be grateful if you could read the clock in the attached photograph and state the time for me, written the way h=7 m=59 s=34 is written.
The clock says h=10 m=10 s=1
